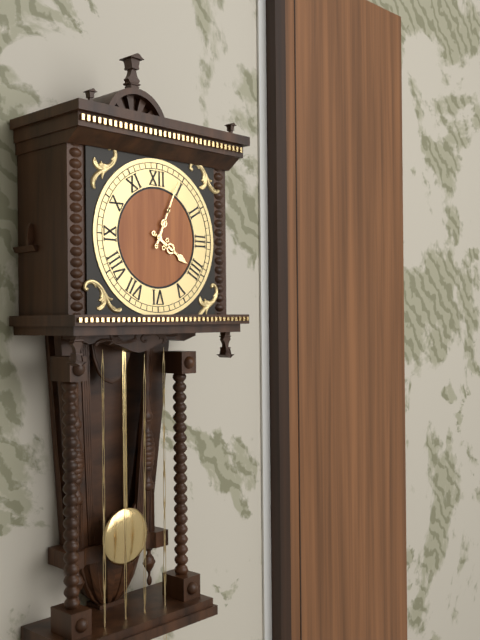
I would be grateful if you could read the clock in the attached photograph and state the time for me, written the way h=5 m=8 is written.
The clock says h=4 m=4
